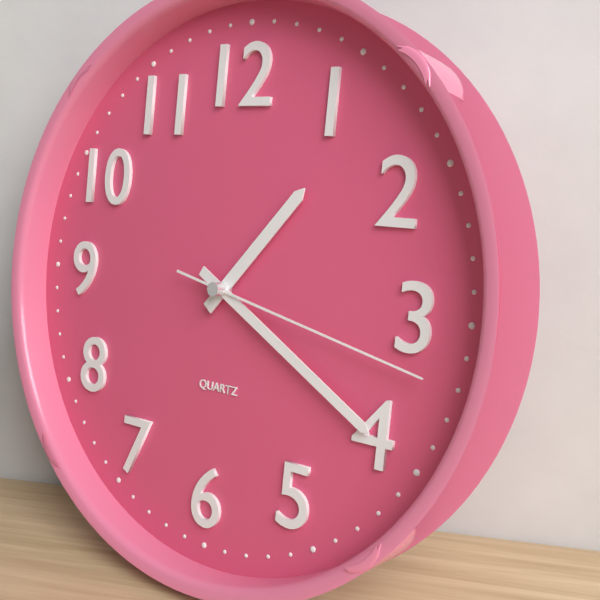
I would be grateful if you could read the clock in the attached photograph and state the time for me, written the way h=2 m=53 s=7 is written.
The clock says h=1 m=20 s=17
